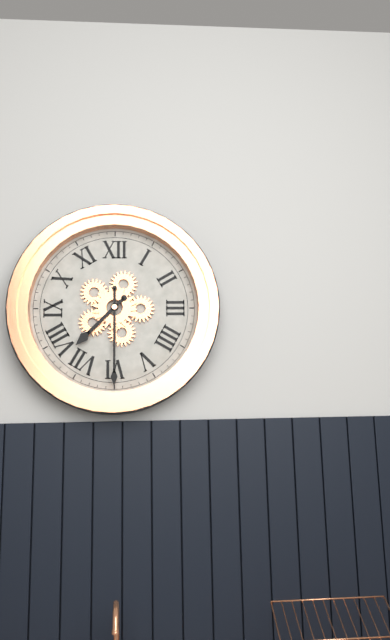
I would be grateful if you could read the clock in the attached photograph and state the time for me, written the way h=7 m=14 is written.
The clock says h=7 m=30
